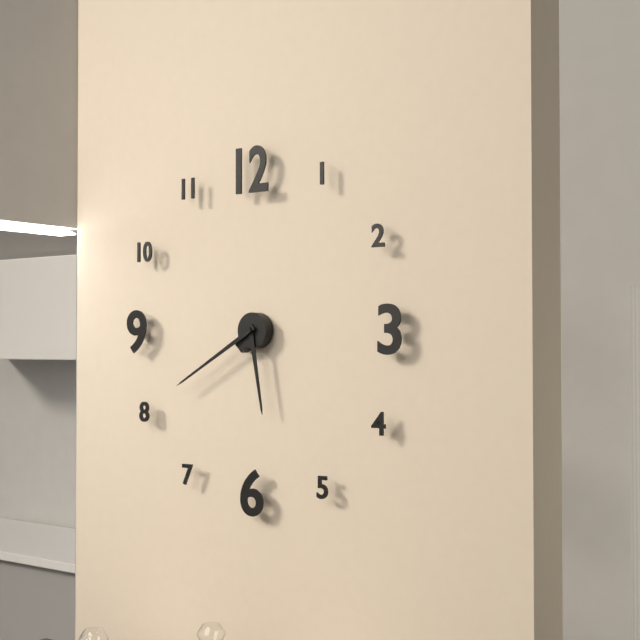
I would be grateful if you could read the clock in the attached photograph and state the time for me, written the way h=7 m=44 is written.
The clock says h=5 m=40
